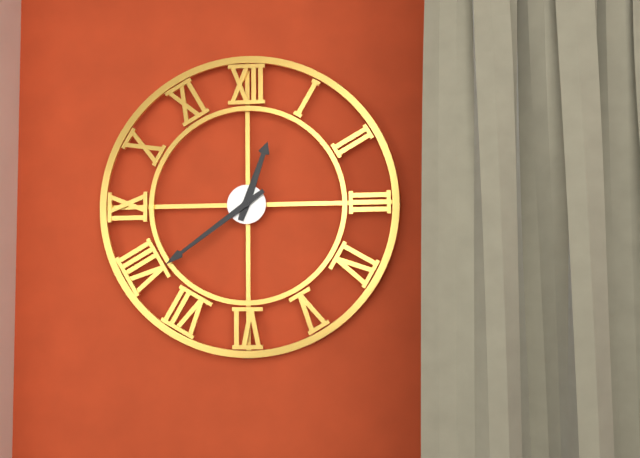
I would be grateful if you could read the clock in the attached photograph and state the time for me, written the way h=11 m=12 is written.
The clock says h=12 m=39
